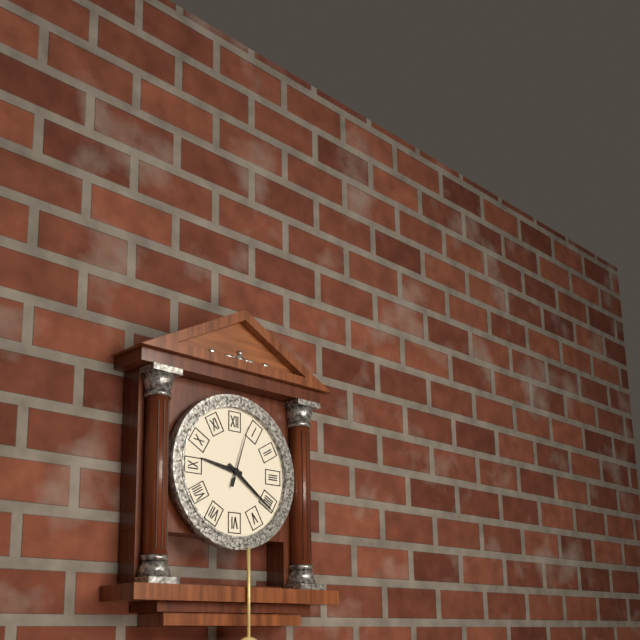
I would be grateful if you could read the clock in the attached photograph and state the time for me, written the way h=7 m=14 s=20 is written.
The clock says h=9 m=21 s=3
